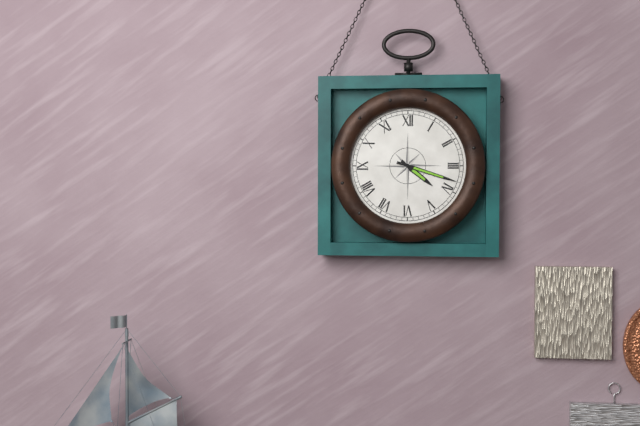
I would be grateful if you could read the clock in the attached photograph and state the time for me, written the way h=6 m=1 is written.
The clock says h=4 m=18
